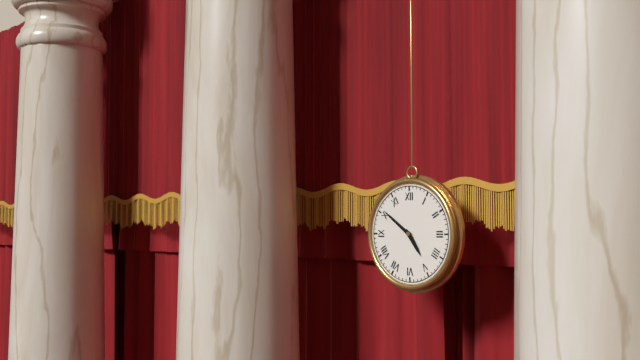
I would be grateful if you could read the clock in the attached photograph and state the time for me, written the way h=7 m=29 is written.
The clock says h=4 m=51
